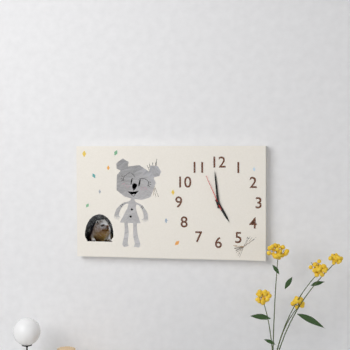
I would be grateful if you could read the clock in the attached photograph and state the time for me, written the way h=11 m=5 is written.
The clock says h=4 m=59
